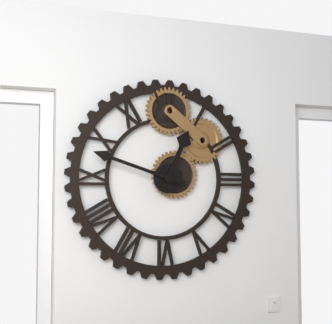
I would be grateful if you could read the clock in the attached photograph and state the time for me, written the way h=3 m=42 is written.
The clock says h=12 m=48
